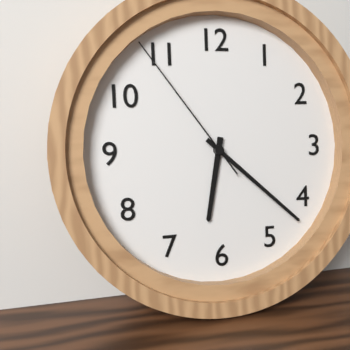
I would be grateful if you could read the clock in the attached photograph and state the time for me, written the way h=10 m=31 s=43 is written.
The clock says h=6 m=22 s=54
